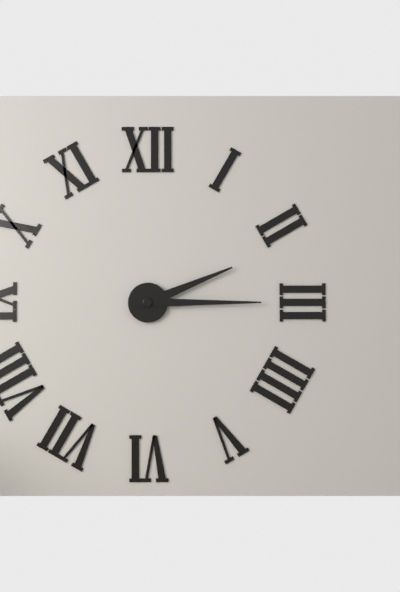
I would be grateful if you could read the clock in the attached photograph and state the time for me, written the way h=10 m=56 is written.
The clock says h=2 m=15
